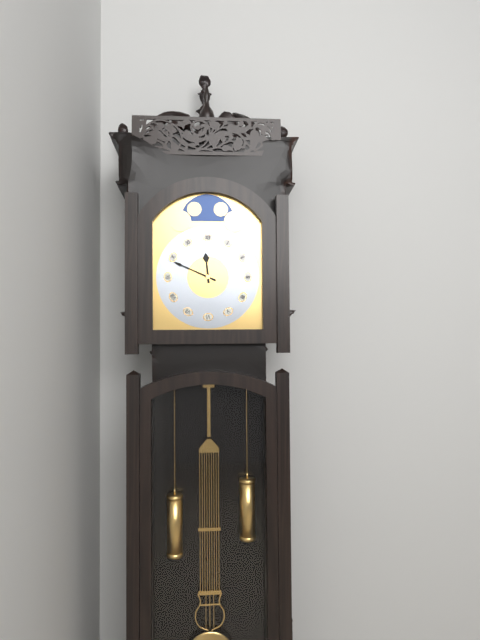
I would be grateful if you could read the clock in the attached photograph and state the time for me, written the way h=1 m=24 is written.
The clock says h=11 m=49
